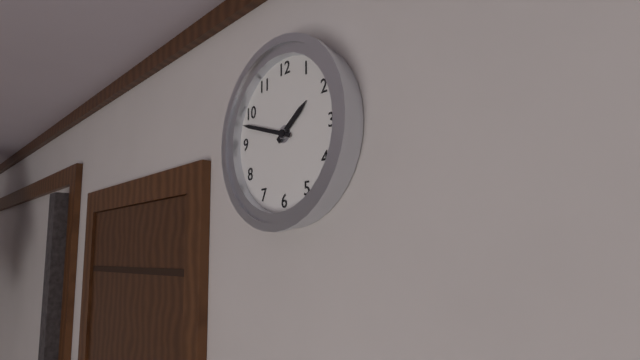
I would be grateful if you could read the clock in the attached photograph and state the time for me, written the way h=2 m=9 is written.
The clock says h=1 m=48
